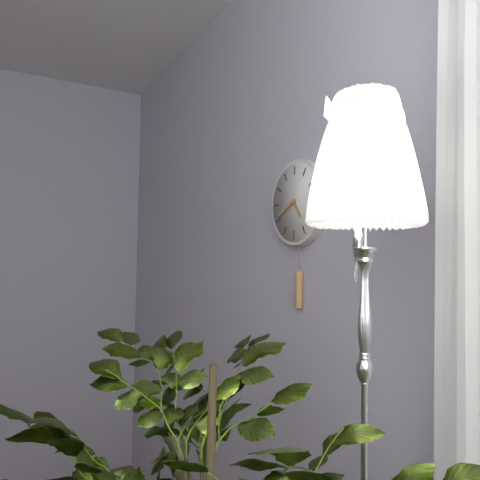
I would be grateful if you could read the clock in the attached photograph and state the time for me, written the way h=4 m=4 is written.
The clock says h=4 m=41
